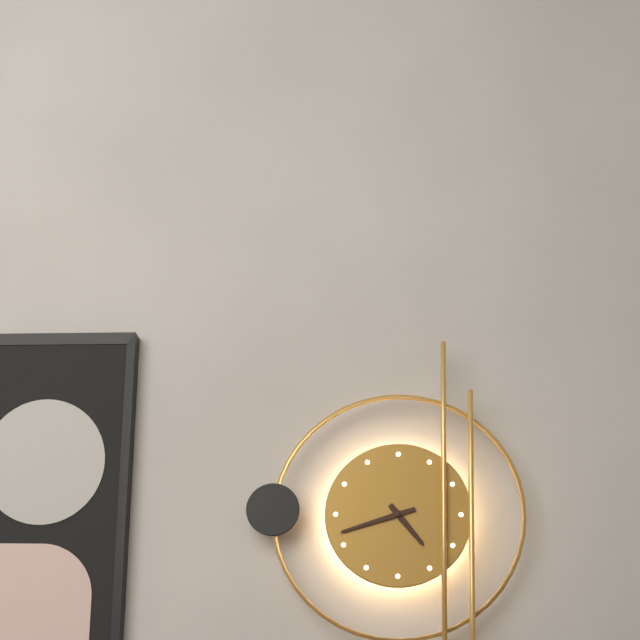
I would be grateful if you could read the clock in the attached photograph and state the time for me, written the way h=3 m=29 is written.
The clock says h=4 m=42
